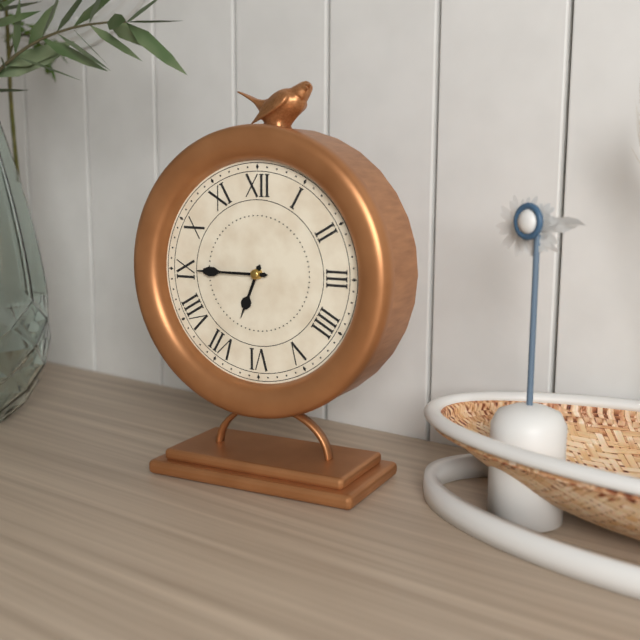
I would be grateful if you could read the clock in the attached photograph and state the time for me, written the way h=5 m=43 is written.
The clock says h=6 m=45
